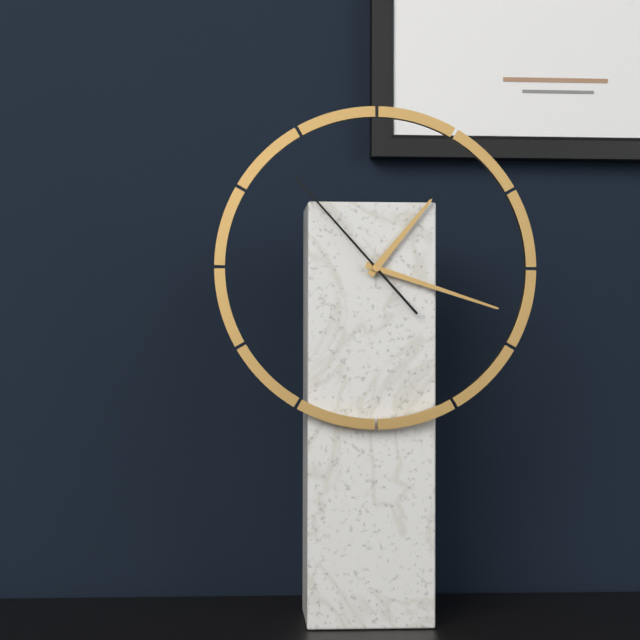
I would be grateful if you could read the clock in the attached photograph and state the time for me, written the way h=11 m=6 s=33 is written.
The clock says h=1 m=18 s=53
